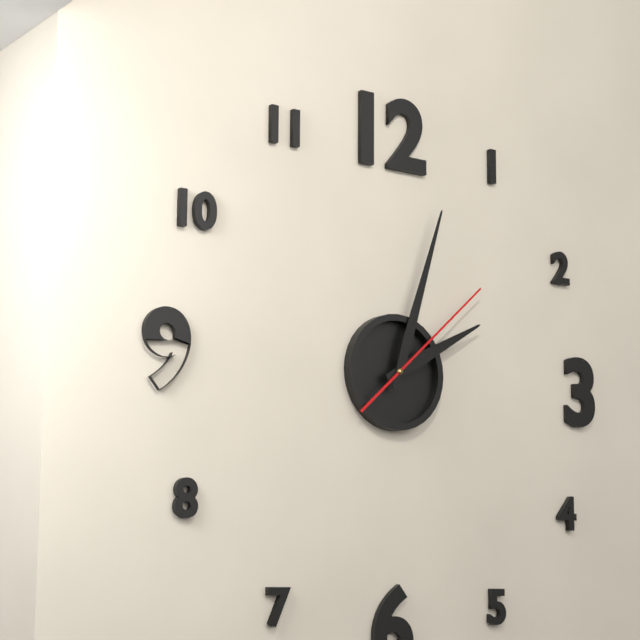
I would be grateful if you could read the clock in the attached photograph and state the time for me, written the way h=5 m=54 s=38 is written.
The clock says h=2 m=3 s=8
